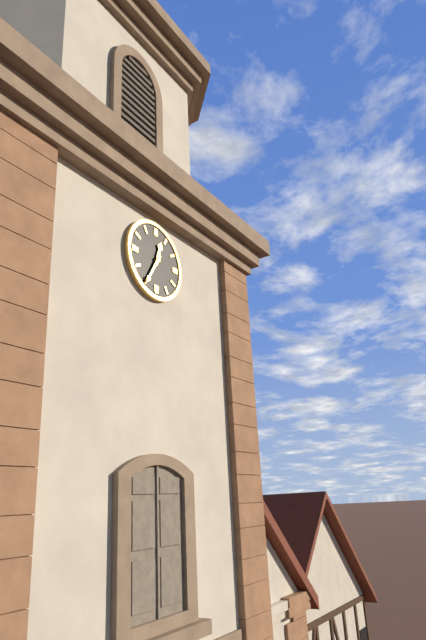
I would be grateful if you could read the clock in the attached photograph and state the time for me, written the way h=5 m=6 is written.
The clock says h=12 m=35
